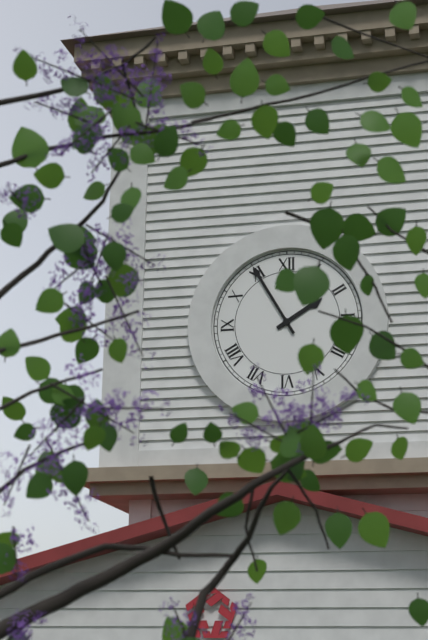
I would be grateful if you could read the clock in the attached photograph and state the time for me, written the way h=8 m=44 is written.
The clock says h=1 m=55
